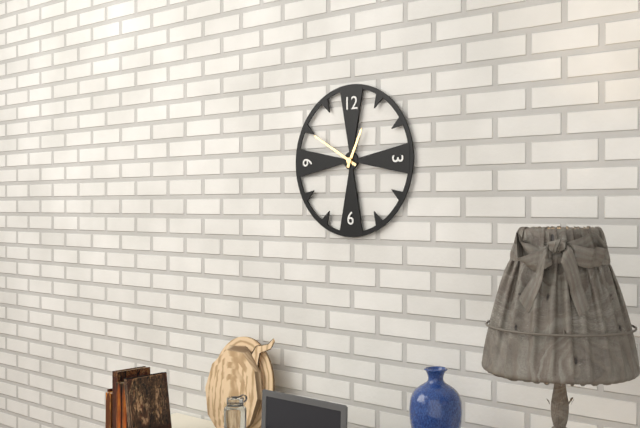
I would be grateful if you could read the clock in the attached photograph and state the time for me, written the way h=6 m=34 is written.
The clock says h=12 m=50
